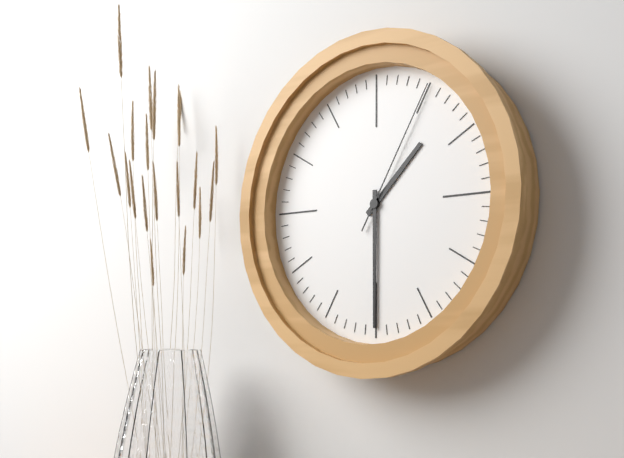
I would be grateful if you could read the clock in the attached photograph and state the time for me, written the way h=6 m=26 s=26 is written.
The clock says h=1 m=30 s=5
